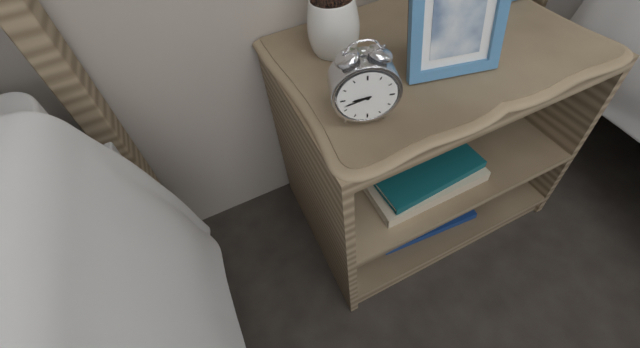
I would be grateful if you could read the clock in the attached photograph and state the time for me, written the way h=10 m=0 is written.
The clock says h=8 m=42
